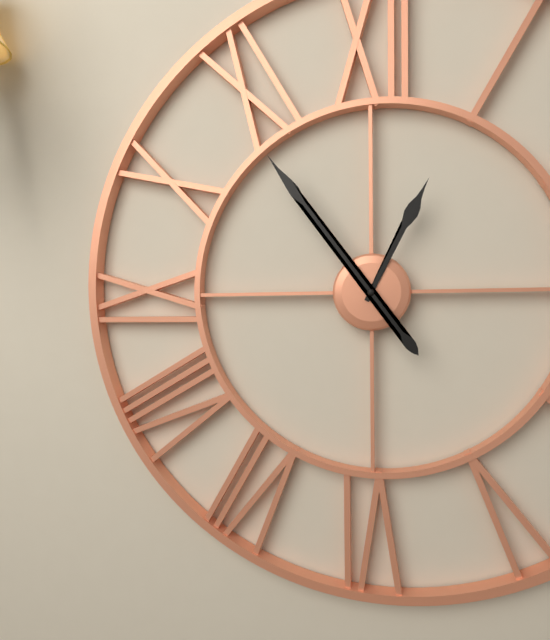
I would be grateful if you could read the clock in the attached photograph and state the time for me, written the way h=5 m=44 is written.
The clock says h=12 m=54
